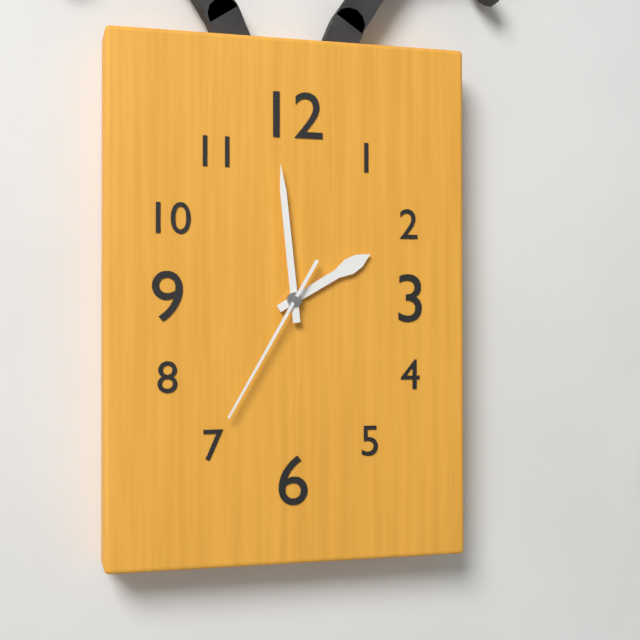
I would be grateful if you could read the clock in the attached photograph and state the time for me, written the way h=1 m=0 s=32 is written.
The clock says h=1 m=59 s=35
